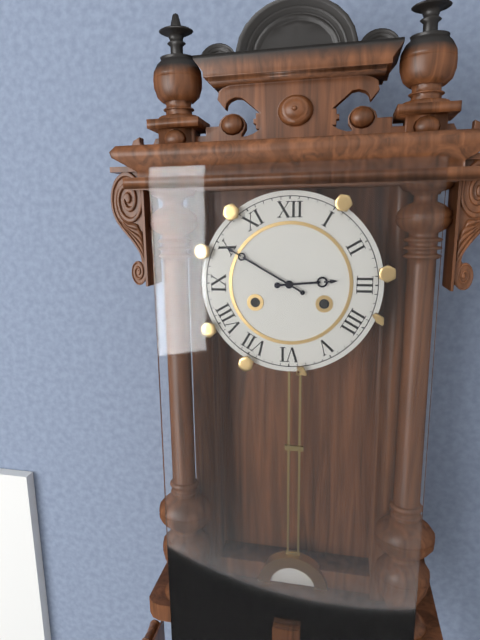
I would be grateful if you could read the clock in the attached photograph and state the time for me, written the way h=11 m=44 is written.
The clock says h=2 m=50
